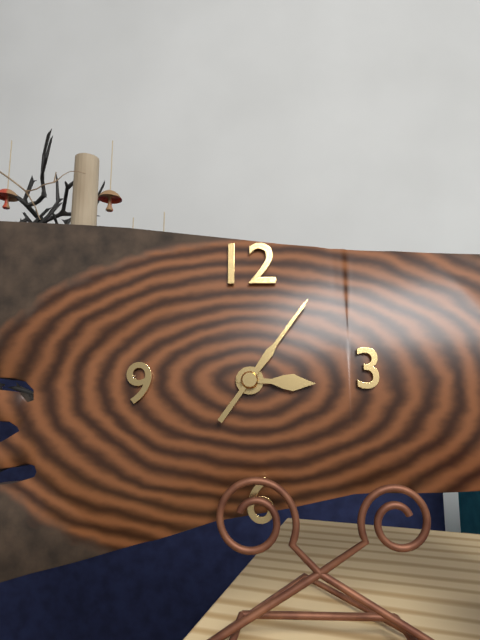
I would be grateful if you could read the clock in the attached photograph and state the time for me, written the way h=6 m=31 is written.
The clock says h=3 m=6
